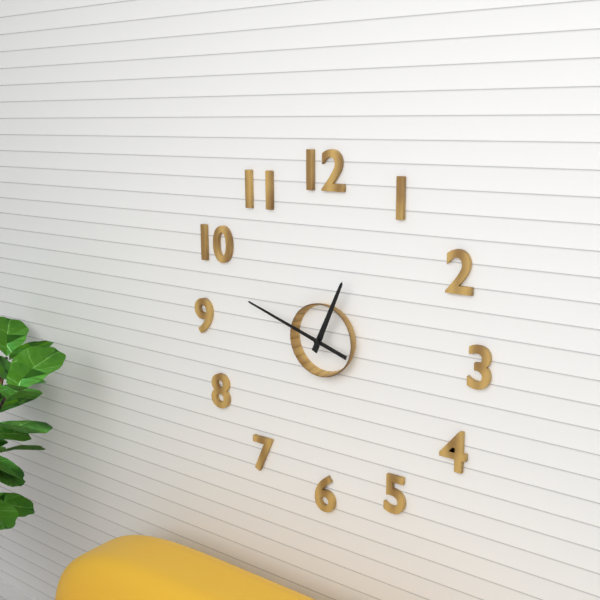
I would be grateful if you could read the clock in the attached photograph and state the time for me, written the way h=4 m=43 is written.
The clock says h=12 m=48
